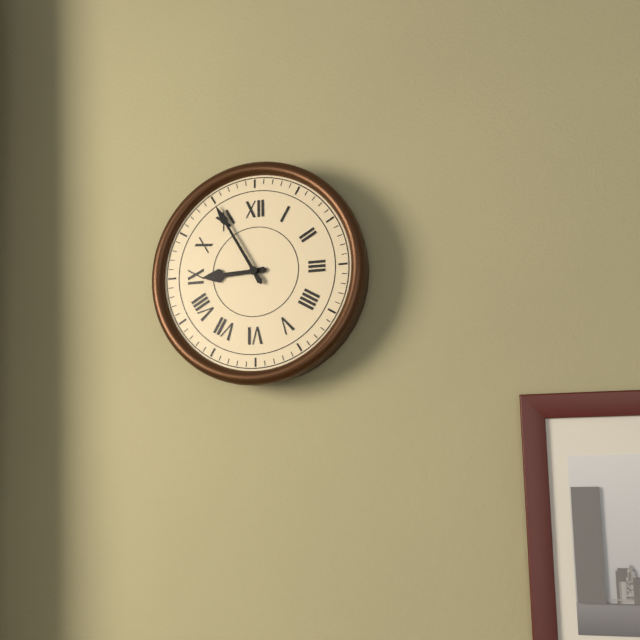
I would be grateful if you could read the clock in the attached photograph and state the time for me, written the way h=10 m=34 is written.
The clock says h=8 m=55
